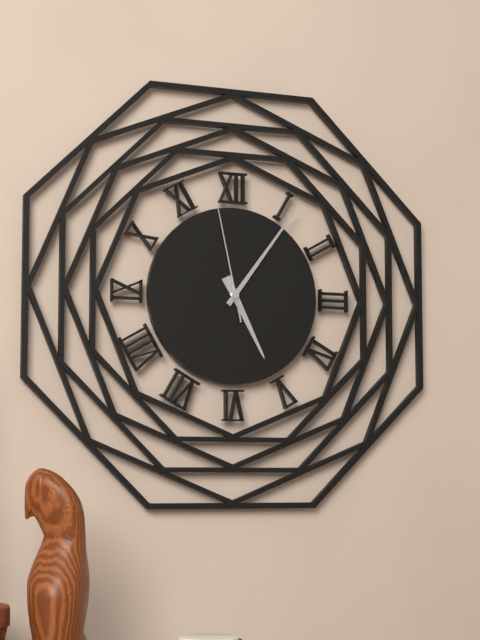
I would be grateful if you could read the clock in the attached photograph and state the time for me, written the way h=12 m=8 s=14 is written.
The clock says h=5 m=6 s=58
